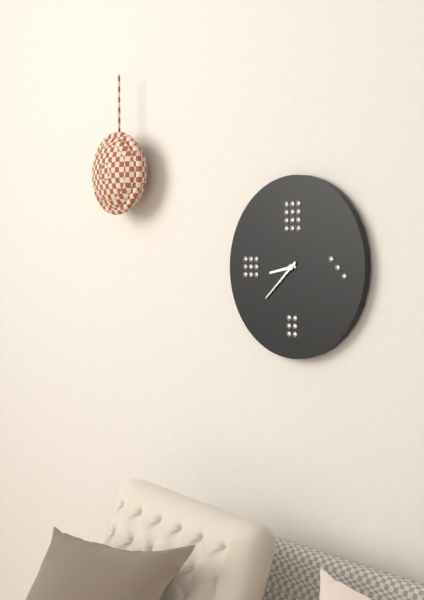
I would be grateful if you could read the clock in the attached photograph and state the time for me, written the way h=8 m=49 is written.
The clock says h=8 m=38
